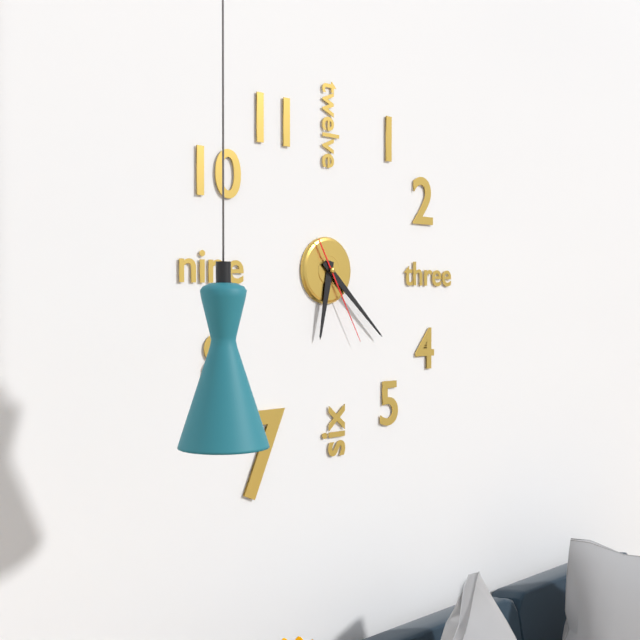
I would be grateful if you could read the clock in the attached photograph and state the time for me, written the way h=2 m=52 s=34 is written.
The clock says h=6 m=22 s=25
